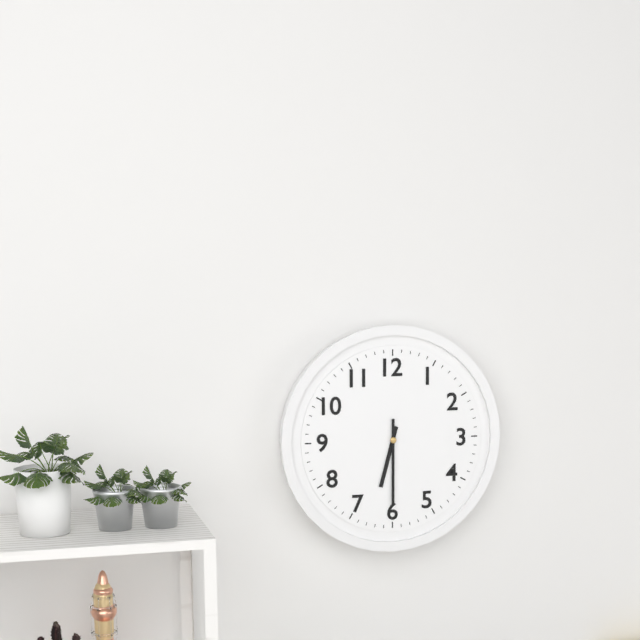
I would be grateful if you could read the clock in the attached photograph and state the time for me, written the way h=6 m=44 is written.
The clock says h=6 m=30
